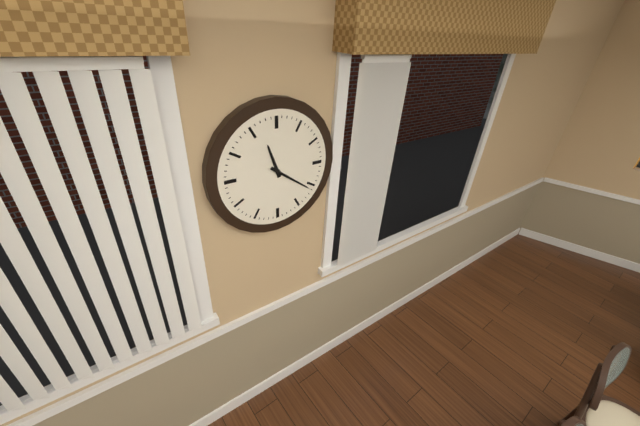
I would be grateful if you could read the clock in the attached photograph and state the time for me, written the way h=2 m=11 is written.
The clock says h=11 m=21
